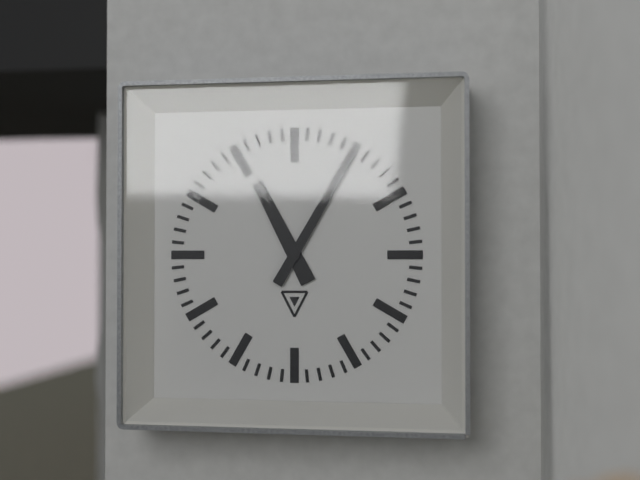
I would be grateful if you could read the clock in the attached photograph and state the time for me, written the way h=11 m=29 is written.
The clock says h=11 m=5
